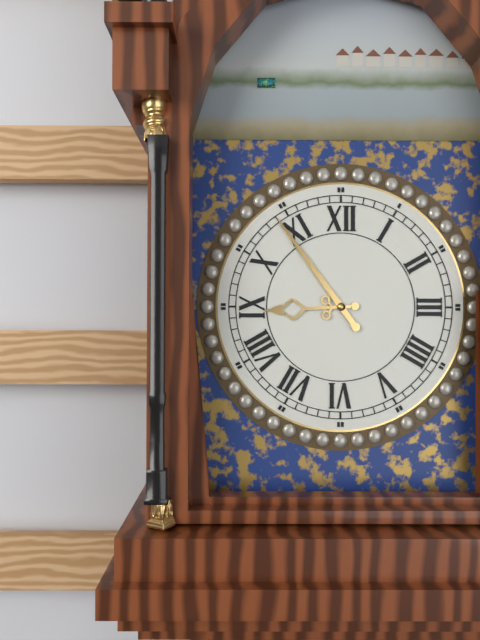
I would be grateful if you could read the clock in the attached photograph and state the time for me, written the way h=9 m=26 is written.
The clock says h=8 m=54
